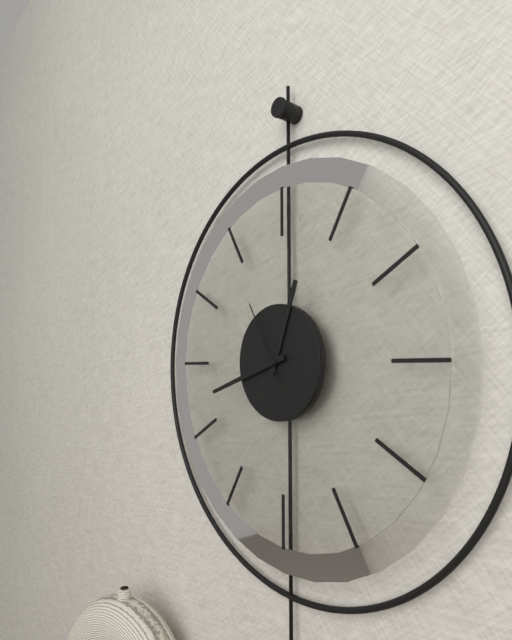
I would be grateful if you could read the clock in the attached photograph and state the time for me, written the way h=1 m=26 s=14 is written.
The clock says h=12 m=42 s=55
